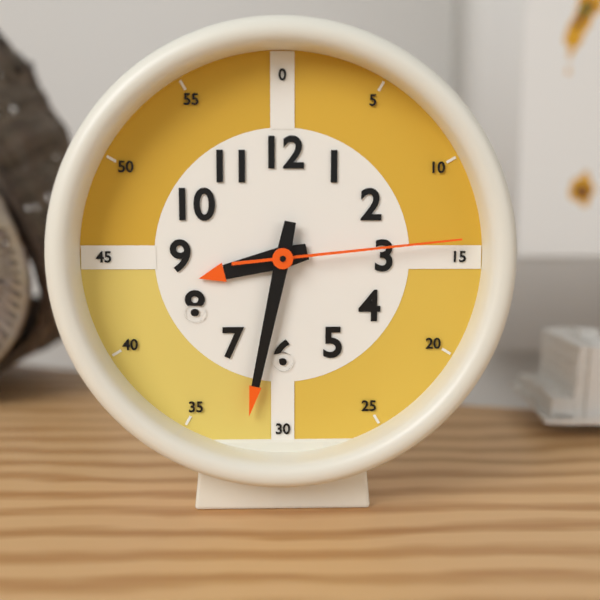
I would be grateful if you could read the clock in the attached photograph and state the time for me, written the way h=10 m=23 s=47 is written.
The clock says h=8 m=32 s=14
